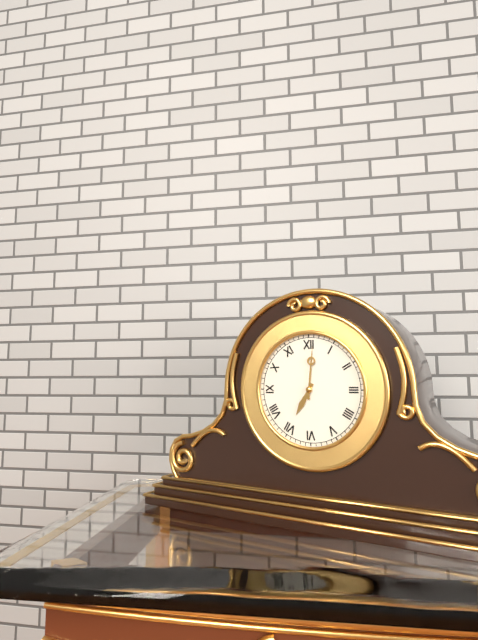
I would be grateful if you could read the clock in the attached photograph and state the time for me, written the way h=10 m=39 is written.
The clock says h=7 m=1
